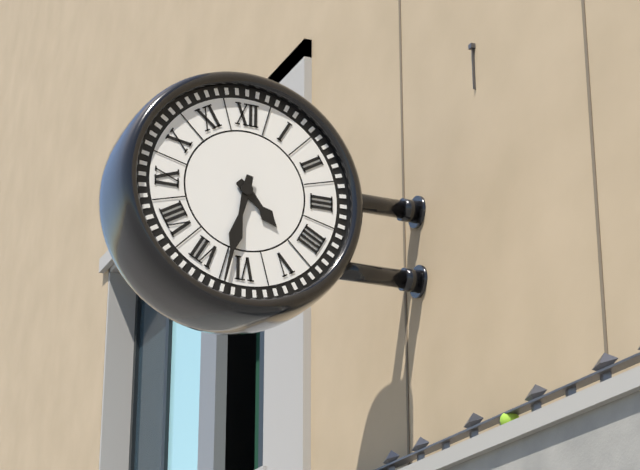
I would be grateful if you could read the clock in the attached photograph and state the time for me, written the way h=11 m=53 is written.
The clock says h=4 m=32
